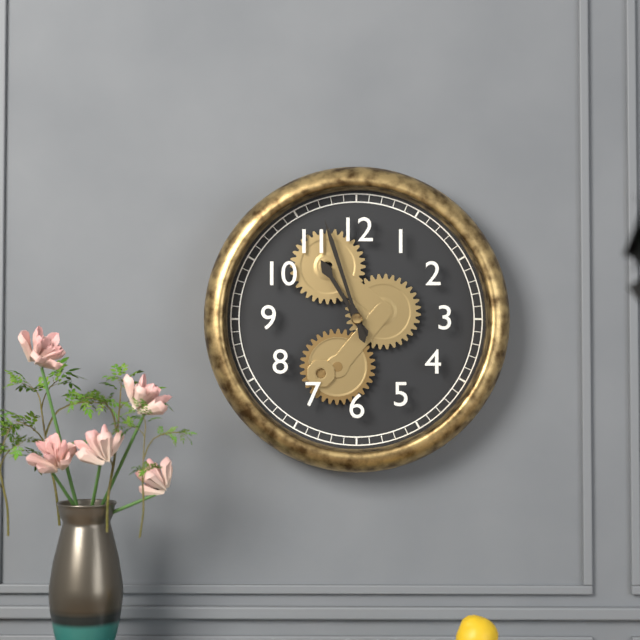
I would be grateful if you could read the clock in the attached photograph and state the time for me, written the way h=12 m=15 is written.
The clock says h=10 m=57
